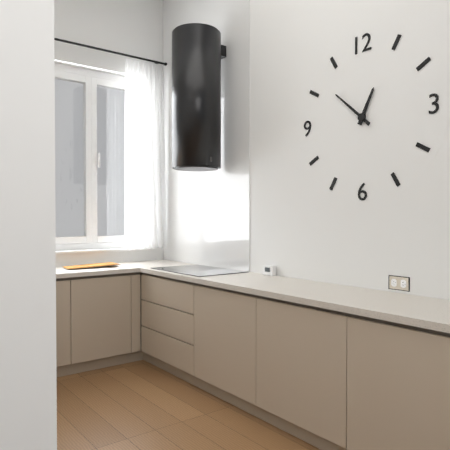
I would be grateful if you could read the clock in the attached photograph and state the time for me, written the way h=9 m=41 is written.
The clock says h=12 m=52
